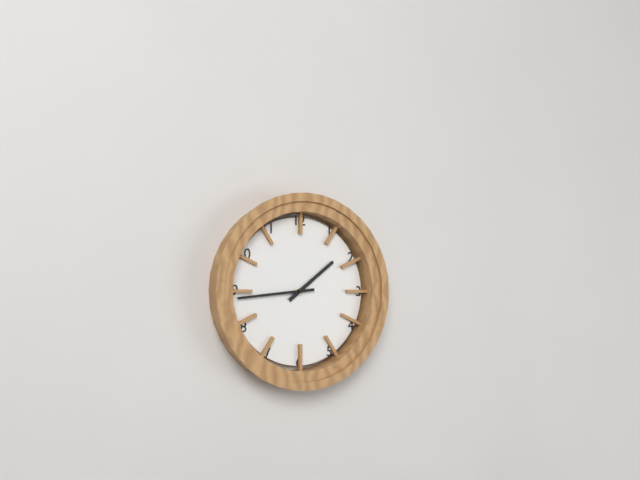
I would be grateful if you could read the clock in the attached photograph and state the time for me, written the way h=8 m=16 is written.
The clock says h=1 m=44
